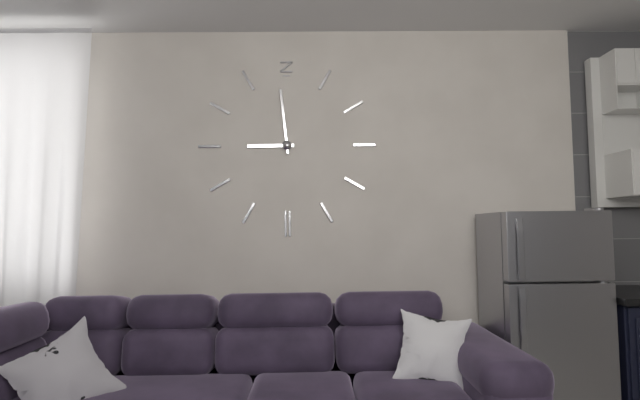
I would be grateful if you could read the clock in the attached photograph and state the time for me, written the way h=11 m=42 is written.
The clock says h=8 m=59
